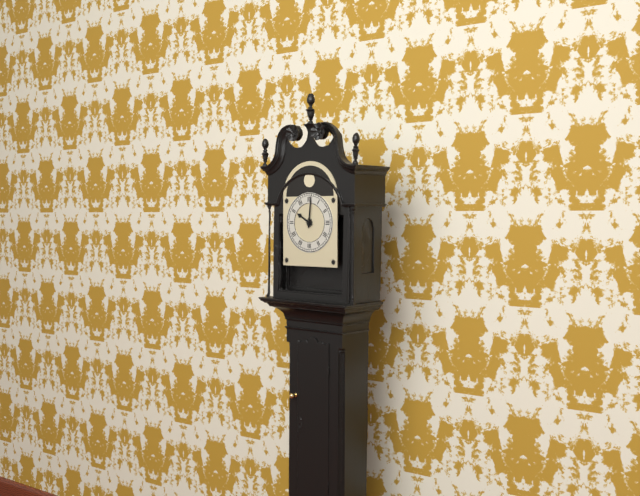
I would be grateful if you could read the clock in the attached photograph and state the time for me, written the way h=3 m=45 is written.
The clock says h=10 m=1
